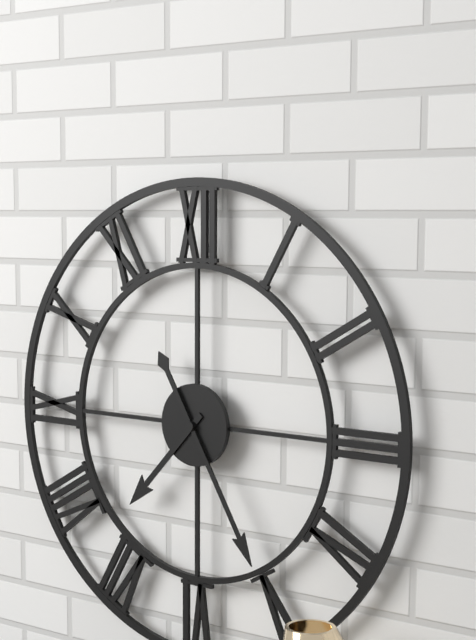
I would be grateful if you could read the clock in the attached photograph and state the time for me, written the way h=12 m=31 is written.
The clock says h=7 m=25
